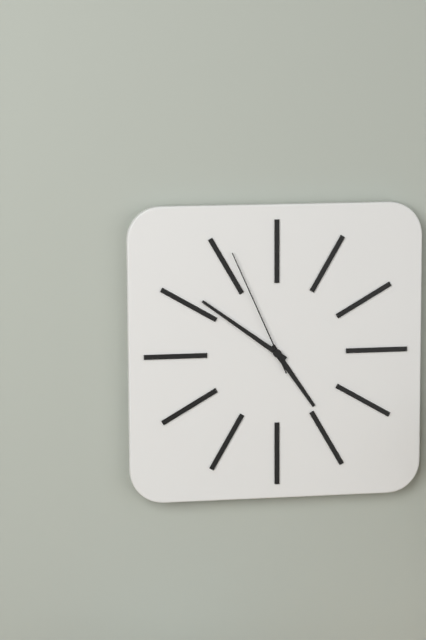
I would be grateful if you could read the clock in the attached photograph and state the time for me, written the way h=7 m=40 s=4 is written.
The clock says h=4 m=51 s=56
